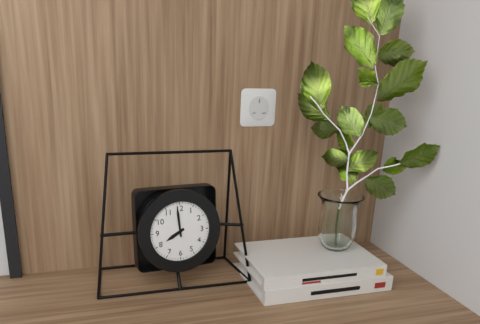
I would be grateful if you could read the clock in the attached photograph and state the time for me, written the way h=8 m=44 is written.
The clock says h=7 m=59
